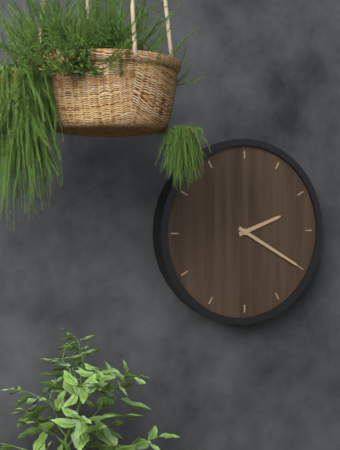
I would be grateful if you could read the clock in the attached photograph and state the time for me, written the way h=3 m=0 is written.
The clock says h=2 m=20
